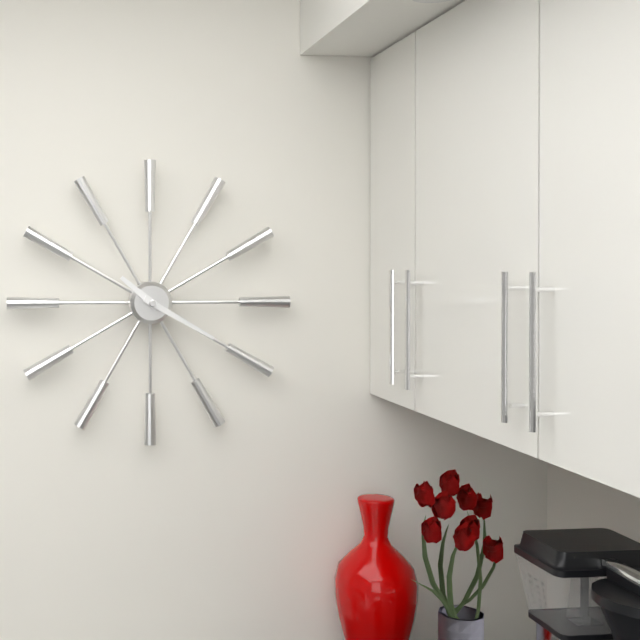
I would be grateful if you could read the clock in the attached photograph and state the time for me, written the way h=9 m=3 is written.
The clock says h=10 m=20
